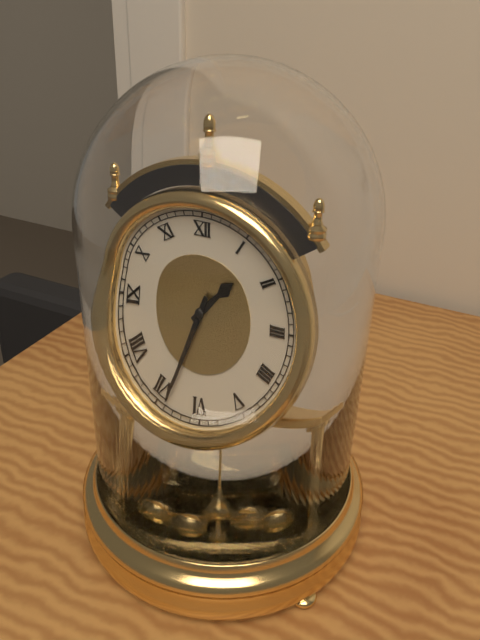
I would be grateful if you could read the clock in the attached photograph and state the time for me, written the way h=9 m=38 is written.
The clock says h=1 m=34
